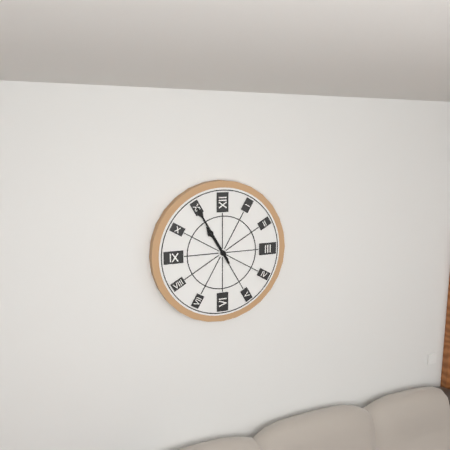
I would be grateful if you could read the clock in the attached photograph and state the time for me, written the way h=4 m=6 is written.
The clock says h=10 m=55
